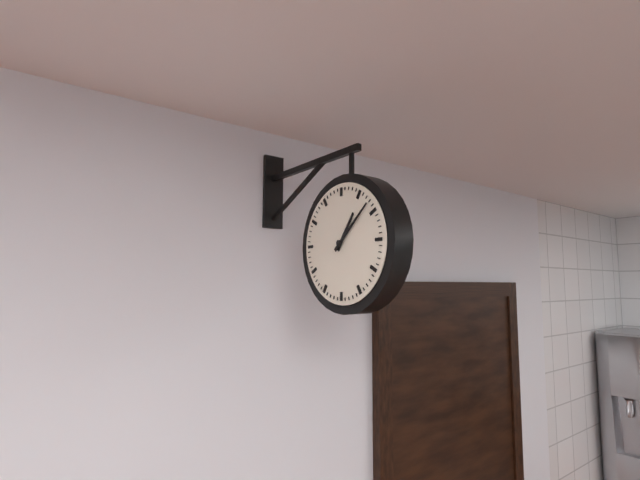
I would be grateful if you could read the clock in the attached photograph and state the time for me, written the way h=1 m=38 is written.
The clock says h=1 m=8
